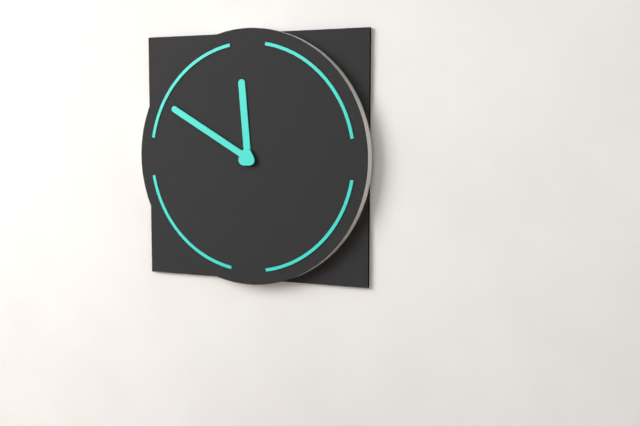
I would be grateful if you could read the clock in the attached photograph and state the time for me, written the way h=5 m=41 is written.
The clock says h=11 m=50
